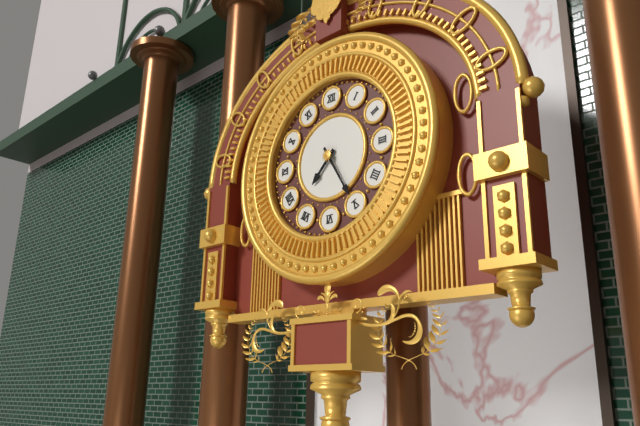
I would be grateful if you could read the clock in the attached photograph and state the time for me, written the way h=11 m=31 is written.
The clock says h=7 m=25
